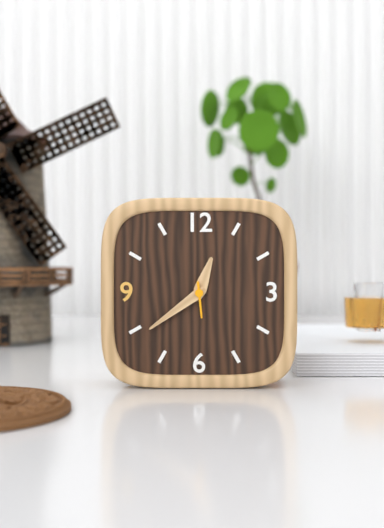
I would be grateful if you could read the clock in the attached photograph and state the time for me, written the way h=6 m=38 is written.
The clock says h=12 m=39
